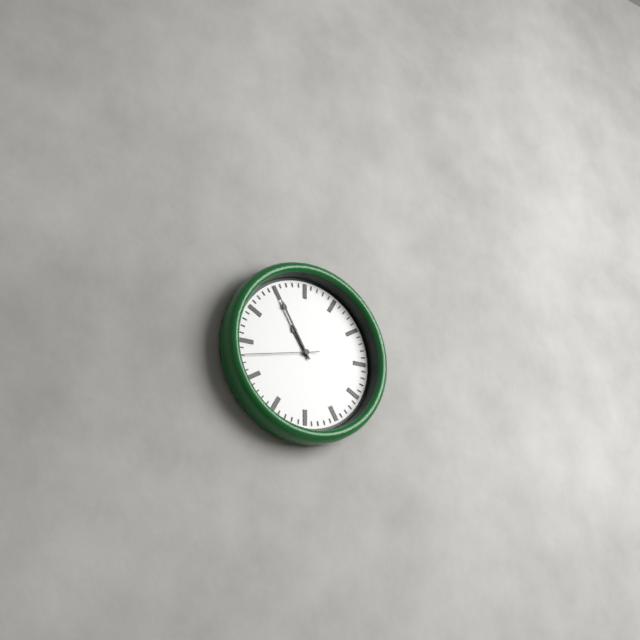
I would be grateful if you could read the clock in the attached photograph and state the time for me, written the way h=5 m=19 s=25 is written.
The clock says h=10 m=55 s=43
